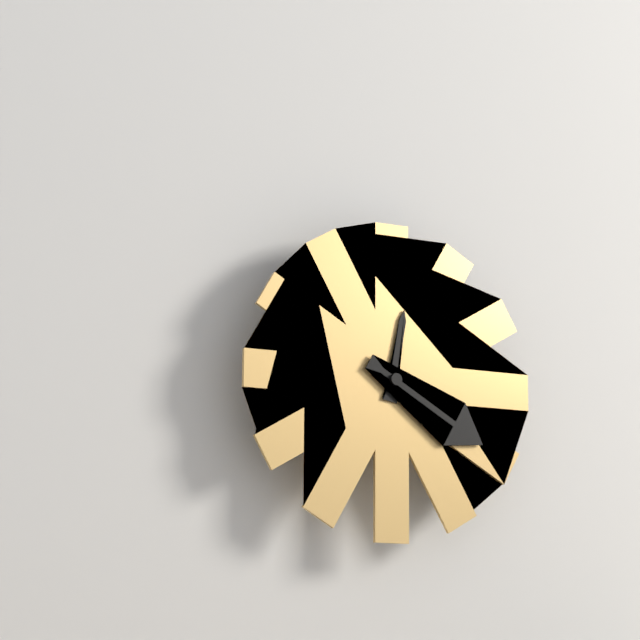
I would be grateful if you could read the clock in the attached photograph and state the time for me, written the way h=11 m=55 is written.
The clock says h=12 m=20
